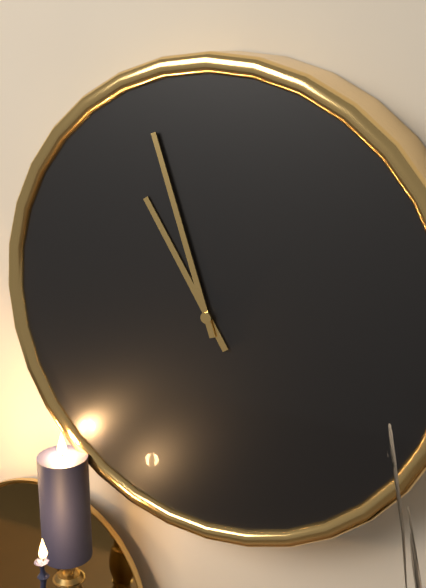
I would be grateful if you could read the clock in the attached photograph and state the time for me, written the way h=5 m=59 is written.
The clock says h=10 m=57
